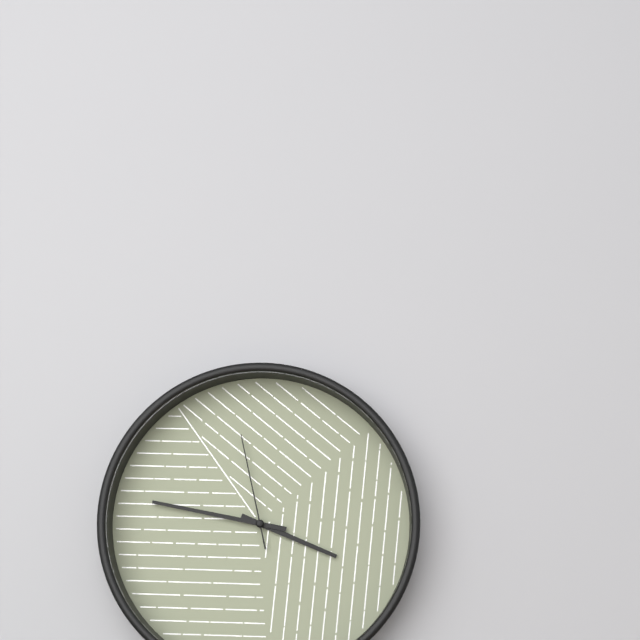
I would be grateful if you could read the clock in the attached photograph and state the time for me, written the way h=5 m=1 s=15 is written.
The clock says h=3 m=47 s=58
